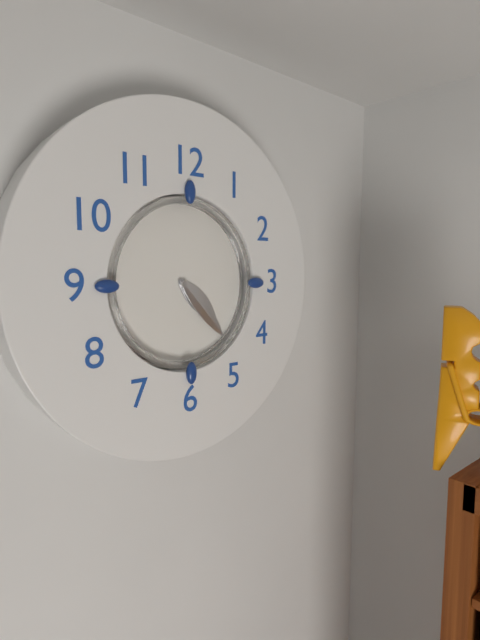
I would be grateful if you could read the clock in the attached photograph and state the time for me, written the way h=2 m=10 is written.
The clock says h=4 m=23
